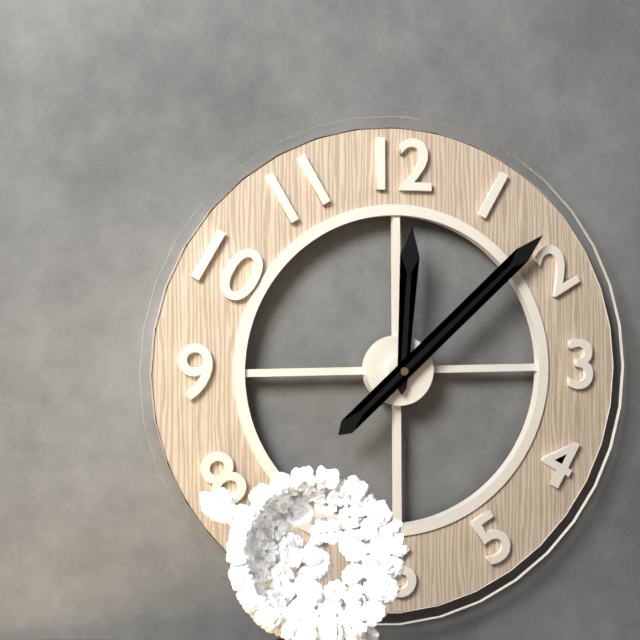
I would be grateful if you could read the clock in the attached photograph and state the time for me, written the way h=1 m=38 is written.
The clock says h=12 m=8
